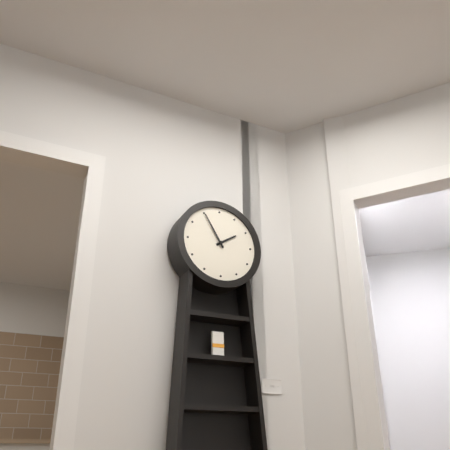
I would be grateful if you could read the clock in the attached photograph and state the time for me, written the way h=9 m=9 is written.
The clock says h=1 m=55
